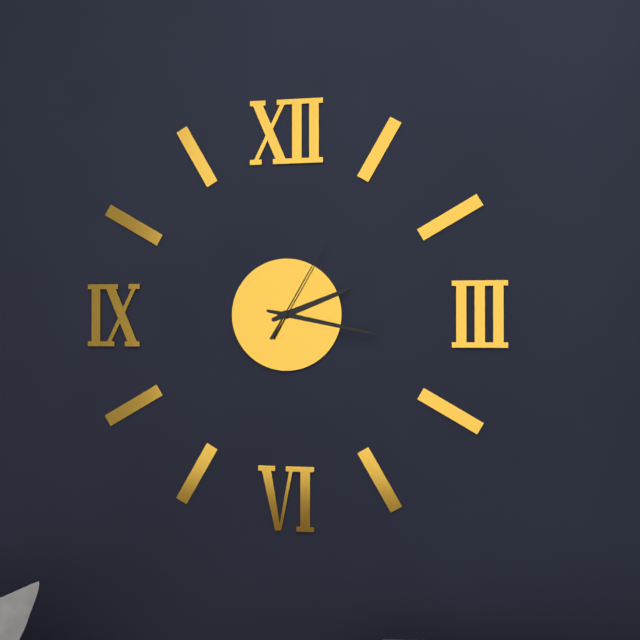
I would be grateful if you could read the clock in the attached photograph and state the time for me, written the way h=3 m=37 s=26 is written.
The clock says h=2 m=17 s=5
